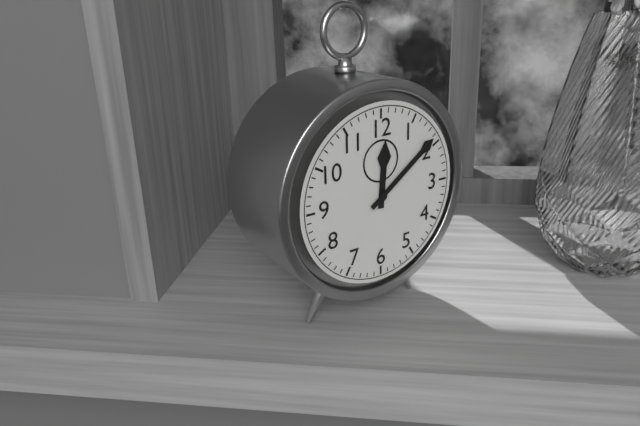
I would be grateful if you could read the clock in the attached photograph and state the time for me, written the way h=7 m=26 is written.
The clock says h=12 m=9
